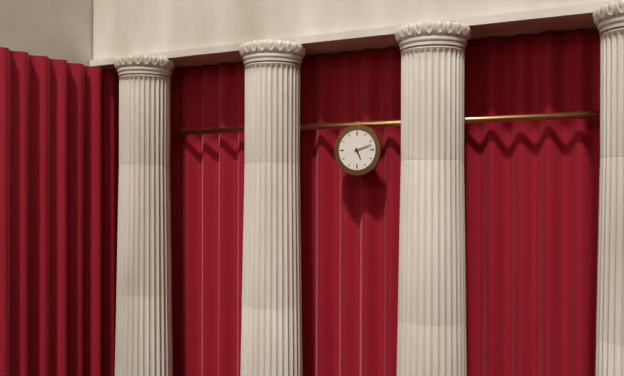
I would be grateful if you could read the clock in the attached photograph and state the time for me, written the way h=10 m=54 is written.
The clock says h=5 m=12
